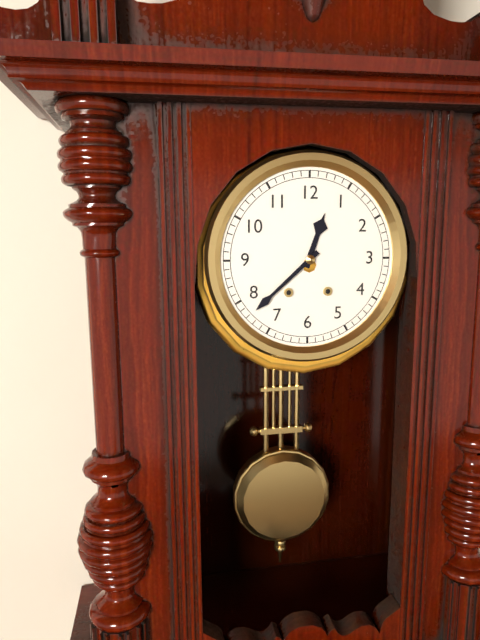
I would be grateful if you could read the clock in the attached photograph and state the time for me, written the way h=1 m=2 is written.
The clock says h=12 m=38
